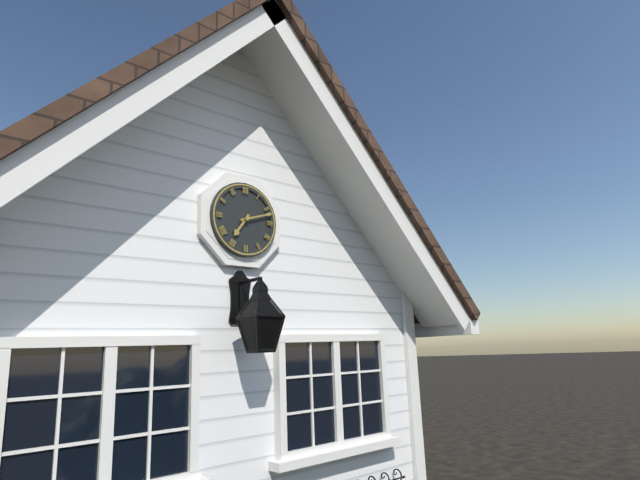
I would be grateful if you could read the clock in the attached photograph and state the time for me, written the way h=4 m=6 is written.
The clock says h=7 m=12
